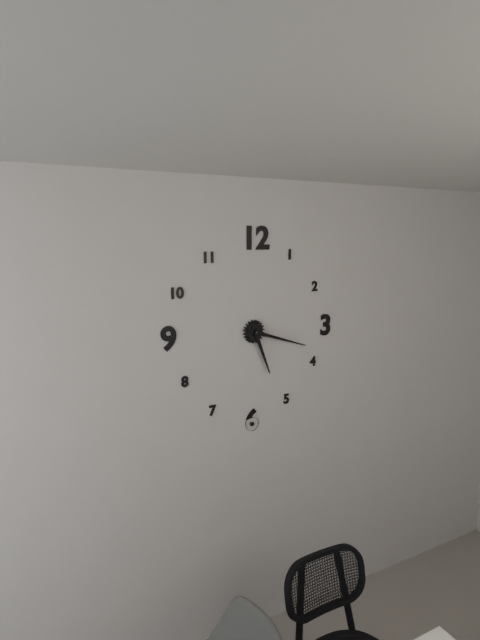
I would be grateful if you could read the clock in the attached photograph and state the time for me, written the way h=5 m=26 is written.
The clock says h=5 m=18
